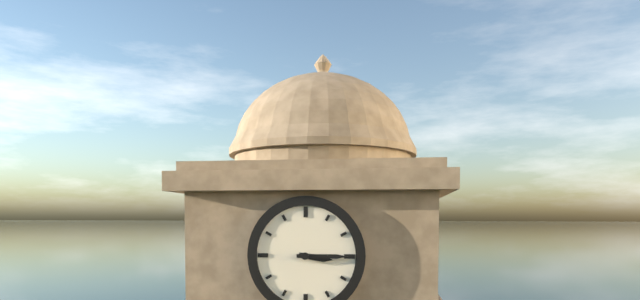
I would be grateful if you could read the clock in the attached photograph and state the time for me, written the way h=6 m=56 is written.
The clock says h=3 m=15
